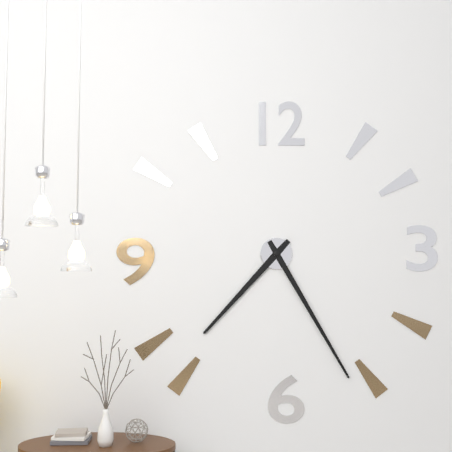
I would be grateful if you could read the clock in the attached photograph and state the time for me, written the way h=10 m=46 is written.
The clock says h=7 m=25
